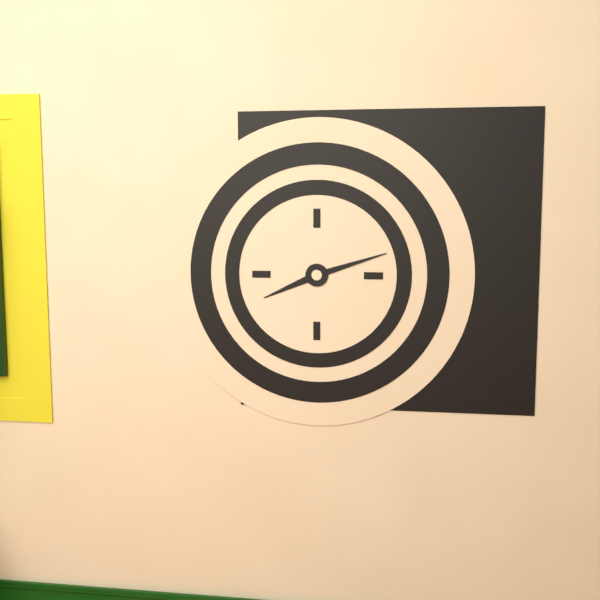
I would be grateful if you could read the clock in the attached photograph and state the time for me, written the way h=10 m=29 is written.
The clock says h=8 m=12
